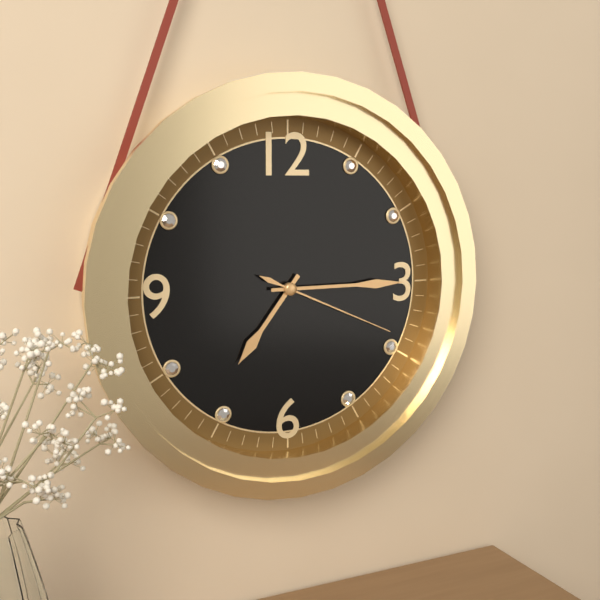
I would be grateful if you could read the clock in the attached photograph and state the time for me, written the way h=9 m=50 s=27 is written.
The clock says h=7 m=15 s=19
